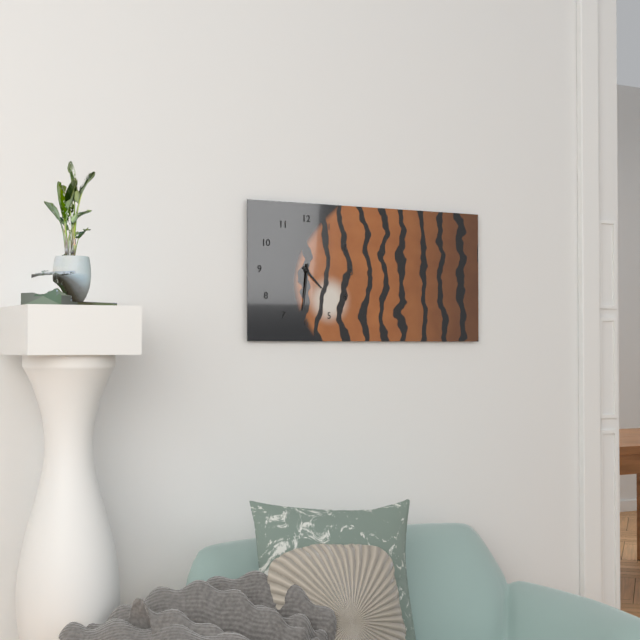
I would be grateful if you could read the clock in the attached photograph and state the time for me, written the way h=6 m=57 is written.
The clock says h=4 m=31
